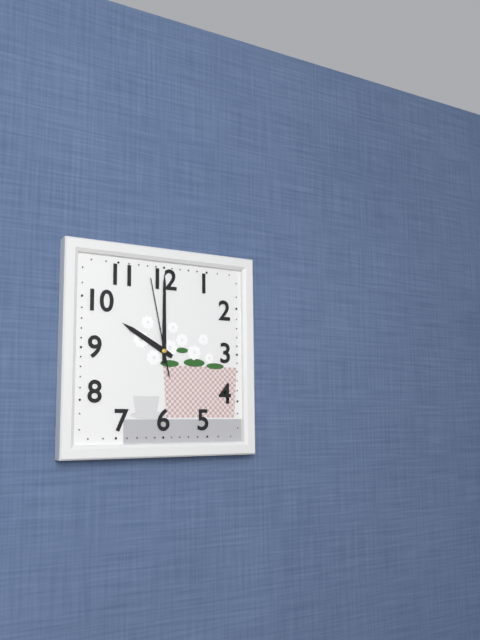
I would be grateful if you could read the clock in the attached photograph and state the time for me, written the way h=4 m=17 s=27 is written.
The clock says h=10 m=0 s=58
